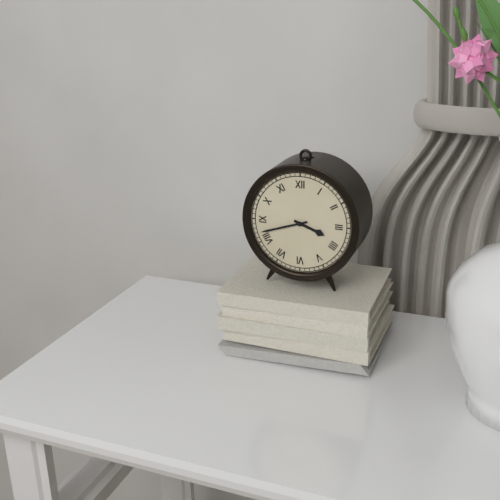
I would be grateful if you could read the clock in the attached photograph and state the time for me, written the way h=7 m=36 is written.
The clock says h=3 m=42
